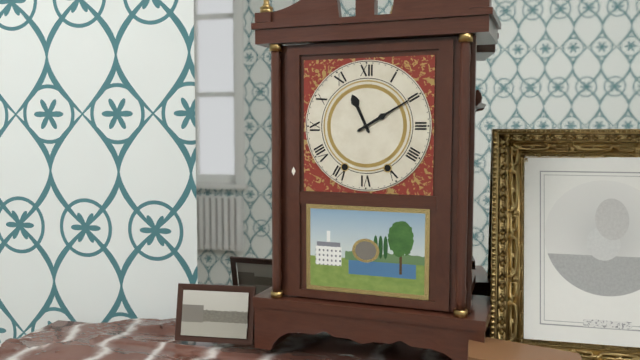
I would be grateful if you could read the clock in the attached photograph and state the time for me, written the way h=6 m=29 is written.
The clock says h=11 m=10
